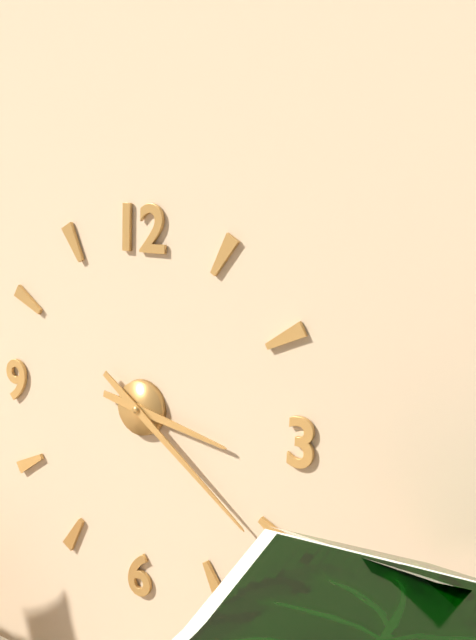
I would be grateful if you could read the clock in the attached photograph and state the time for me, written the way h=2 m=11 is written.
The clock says h=3 m=21
